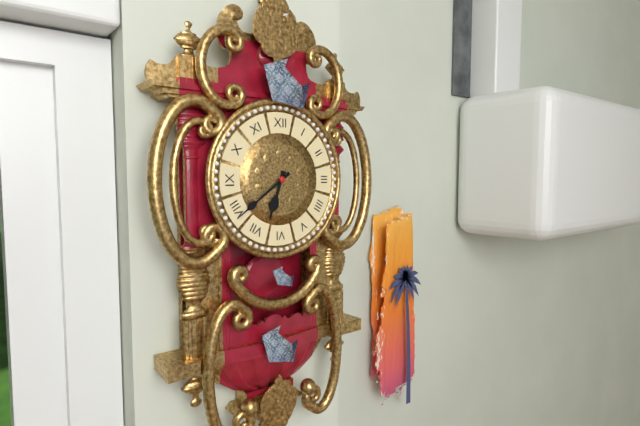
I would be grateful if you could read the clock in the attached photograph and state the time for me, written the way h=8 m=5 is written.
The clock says h=6 m=39
